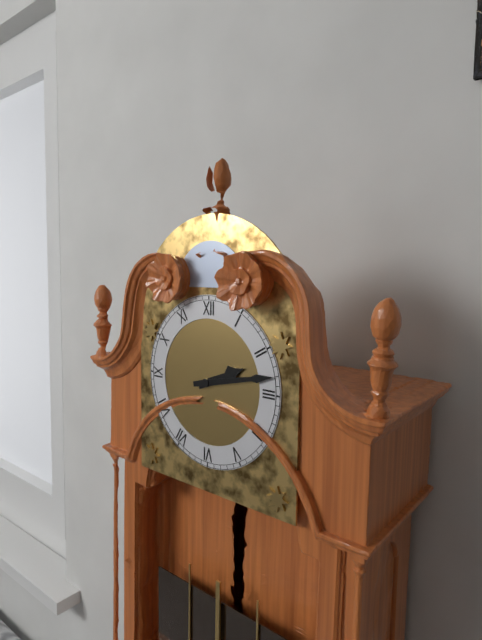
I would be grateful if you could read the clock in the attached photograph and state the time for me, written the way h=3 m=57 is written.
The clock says h=2 m=13
